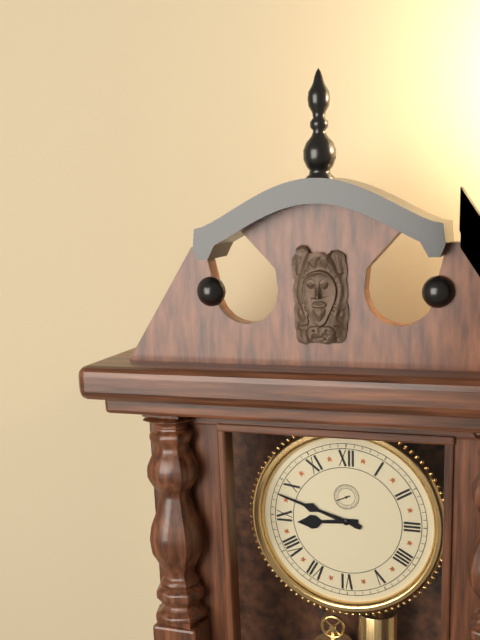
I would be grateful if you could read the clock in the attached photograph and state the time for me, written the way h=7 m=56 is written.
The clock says h=8 m=48
